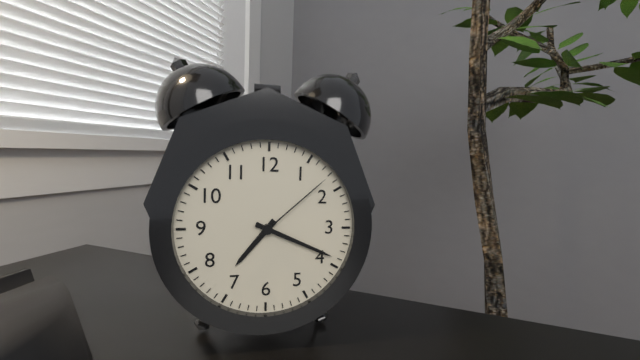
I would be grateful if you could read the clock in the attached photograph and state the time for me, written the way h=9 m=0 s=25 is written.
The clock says h=7 m=19 s=8
